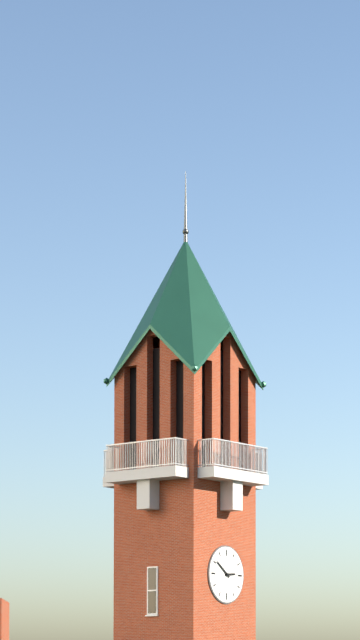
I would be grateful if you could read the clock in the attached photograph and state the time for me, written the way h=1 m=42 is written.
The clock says h=2 m=51
